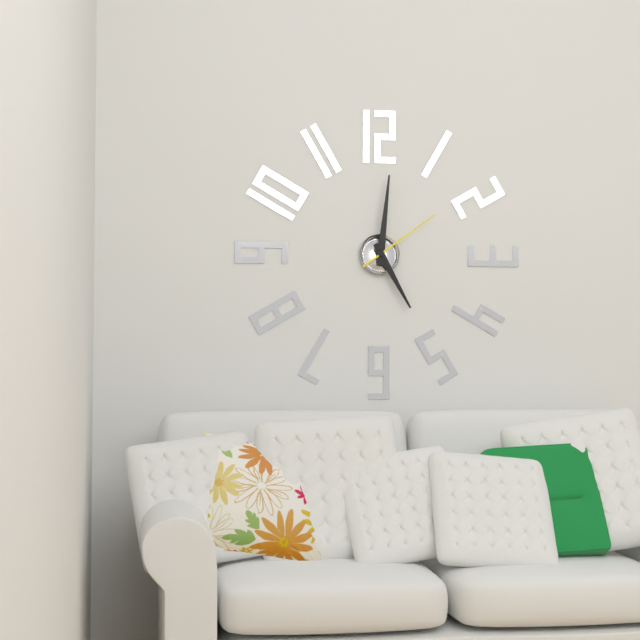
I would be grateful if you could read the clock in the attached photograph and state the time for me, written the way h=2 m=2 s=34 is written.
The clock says h=5 m=1 s=9
